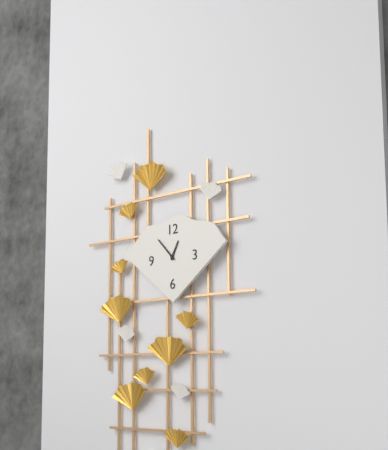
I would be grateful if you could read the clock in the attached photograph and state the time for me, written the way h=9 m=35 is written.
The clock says h=12 m=53
